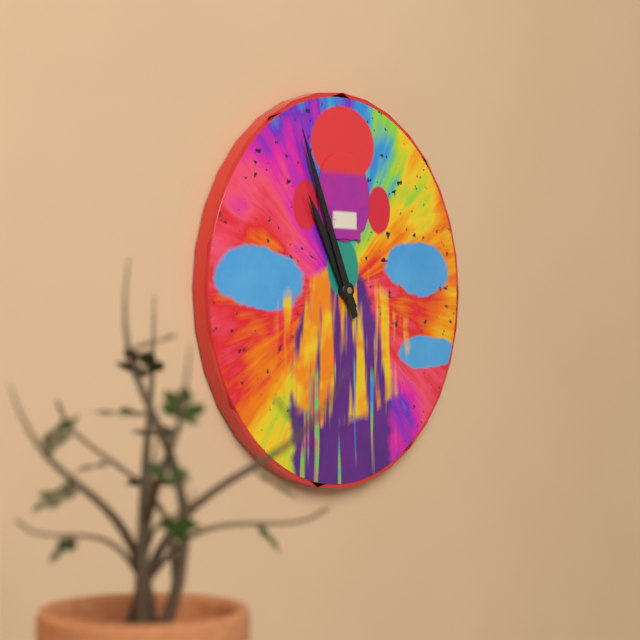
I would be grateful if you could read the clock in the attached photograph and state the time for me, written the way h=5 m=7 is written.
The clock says h=10 m=56
